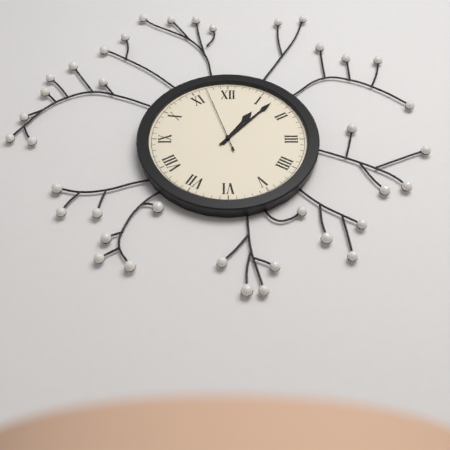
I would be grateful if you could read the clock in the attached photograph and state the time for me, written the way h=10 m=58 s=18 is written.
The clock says h=1 m=7 s=57
